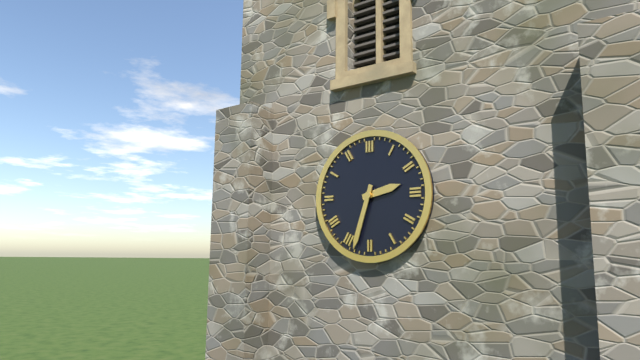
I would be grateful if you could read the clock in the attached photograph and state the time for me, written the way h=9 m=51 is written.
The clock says h=2 m=33
